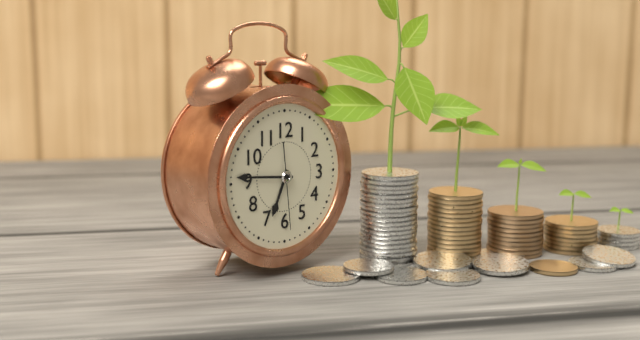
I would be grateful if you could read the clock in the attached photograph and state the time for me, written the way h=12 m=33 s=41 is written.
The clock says h=6 m=46 s=29
